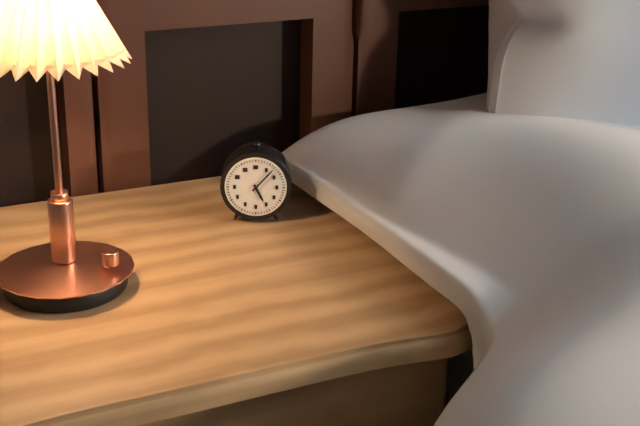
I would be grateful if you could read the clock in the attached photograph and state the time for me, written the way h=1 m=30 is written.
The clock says h=5 m=7
